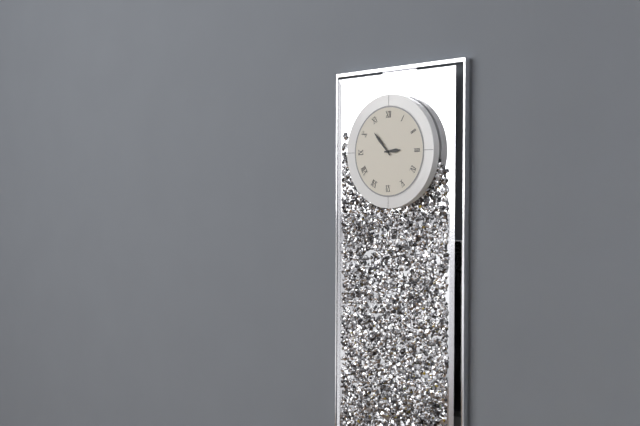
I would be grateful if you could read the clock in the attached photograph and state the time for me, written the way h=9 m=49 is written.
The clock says h=2 m=53
